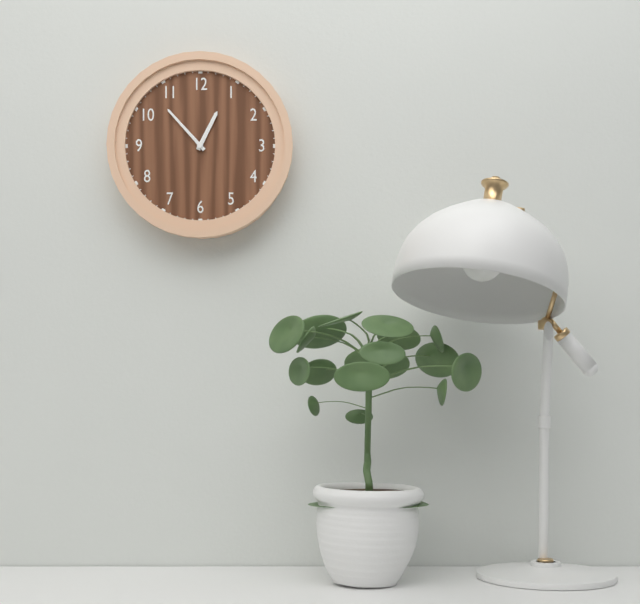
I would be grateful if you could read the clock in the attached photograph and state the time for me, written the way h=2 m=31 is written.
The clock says h=12 m=53
